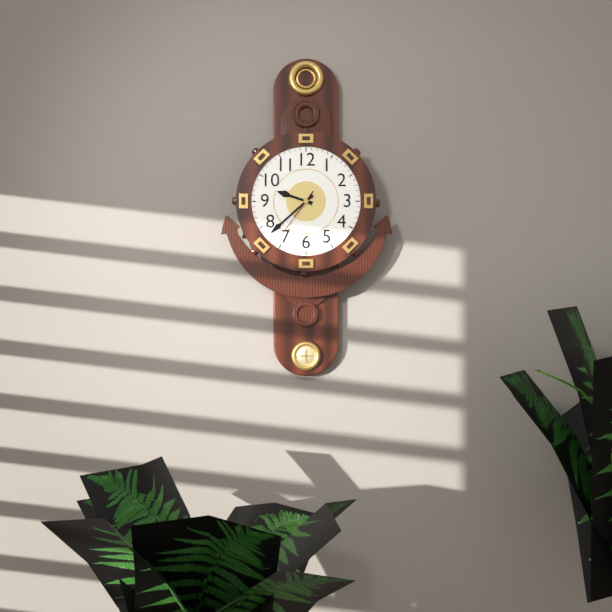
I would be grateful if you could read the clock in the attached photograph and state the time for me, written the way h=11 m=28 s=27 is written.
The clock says h=9 m=38 s=36
